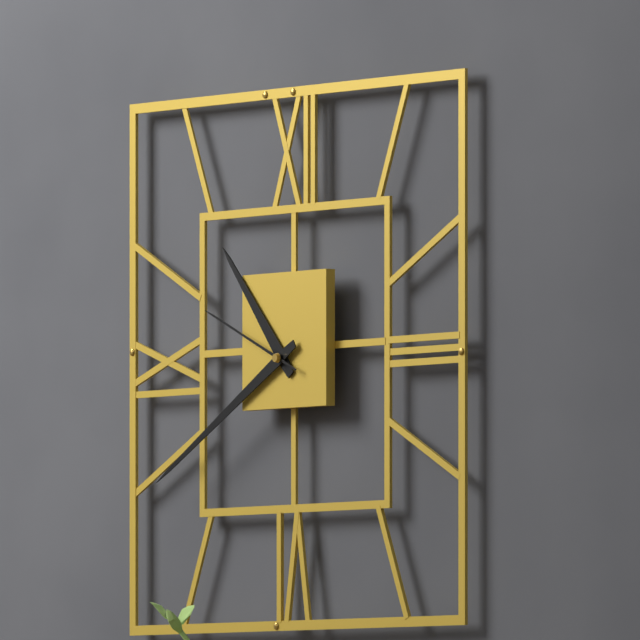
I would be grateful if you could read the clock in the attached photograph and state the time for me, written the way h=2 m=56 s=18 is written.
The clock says h=10 m=40 s=49
